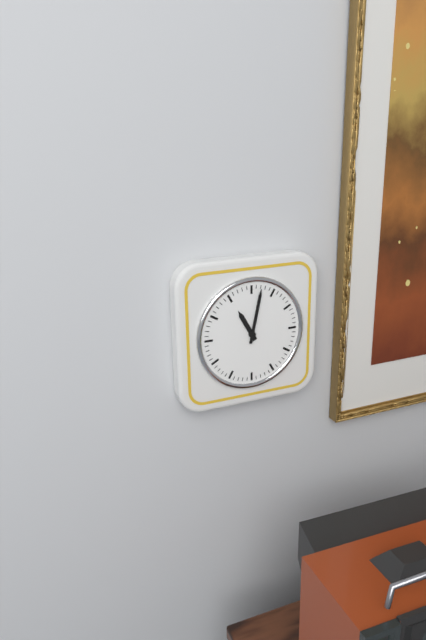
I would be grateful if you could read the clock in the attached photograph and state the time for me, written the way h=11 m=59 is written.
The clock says h=11 m=2
